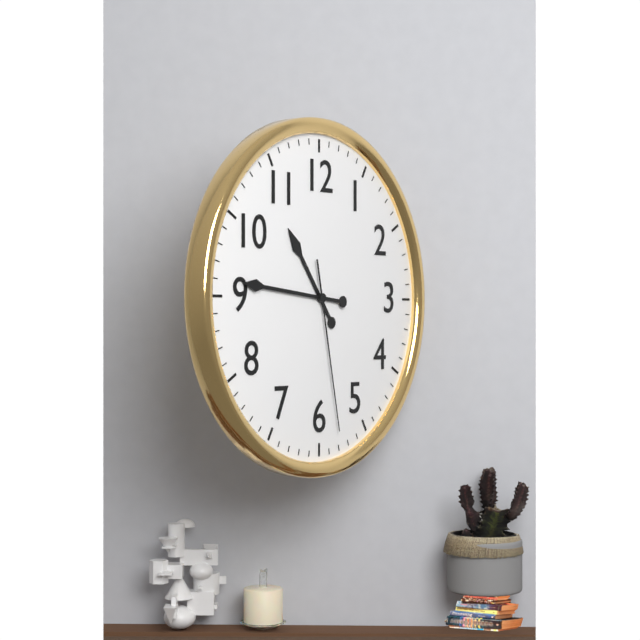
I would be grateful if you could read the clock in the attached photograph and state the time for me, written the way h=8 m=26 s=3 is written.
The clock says h=10 m=46 s=28
